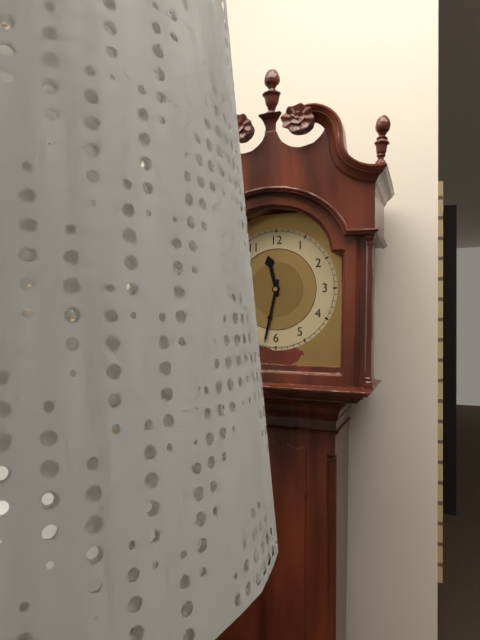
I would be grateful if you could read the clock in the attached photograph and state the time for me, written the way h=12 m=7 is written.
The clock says h=11 m=32
